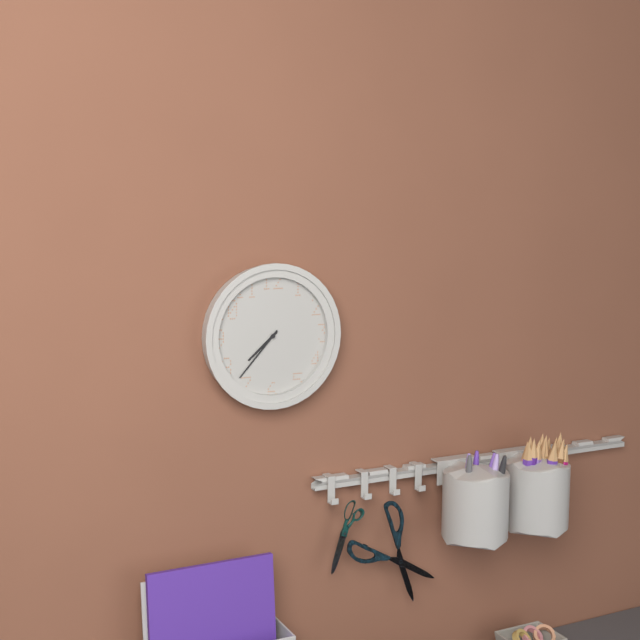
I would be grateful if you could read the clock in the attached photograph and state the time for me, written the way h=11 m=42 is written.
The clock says h=7 m=37
